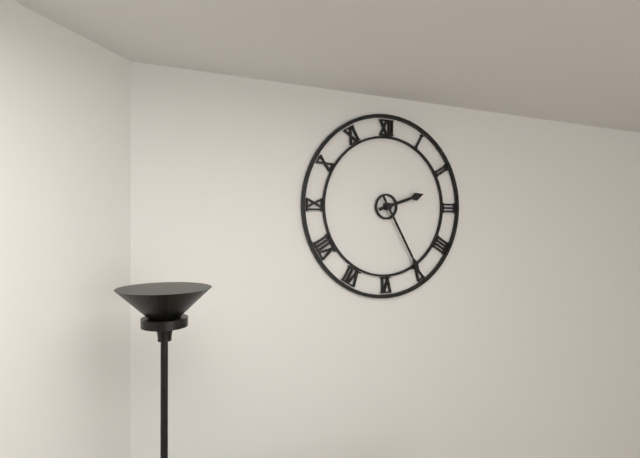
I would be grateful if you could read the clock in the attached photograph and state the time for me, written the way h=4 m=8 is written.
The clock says h=2 m=25
